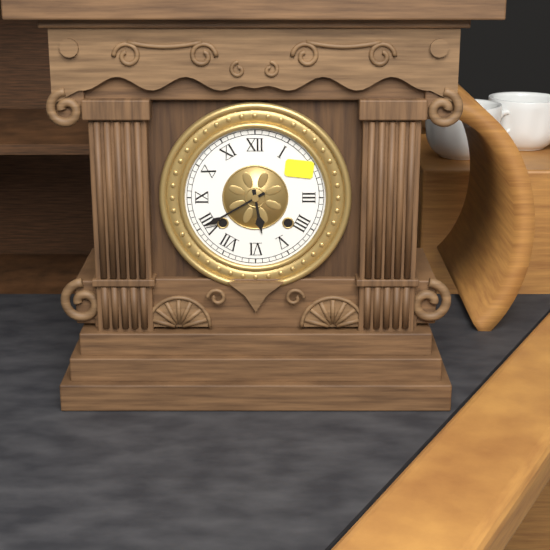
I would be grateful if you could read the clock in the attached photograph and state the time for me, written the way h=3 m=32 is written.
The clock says h=5 m=40
